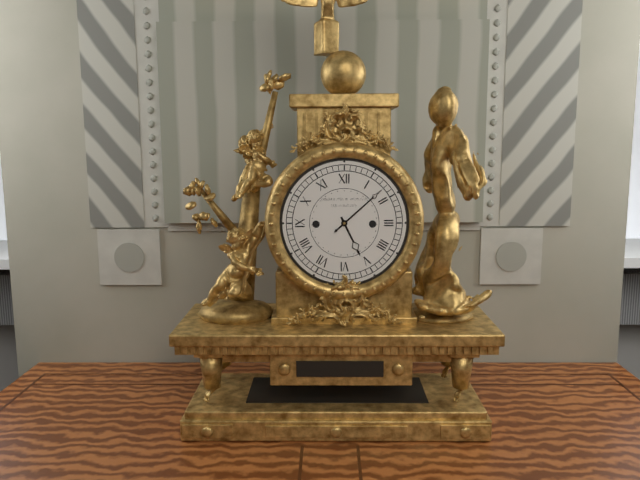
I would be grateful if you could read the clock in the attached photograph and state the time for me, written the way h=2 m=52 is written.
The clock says h=5 m=8
